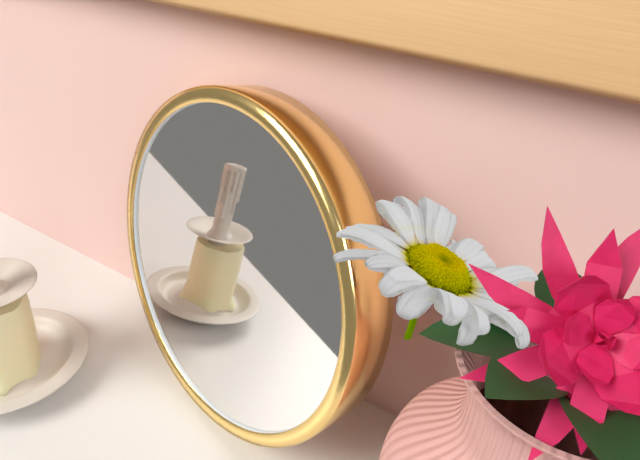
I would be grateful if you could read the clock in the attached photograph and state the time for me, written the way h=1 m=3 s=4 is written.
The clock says h=7 m=12 s=48
